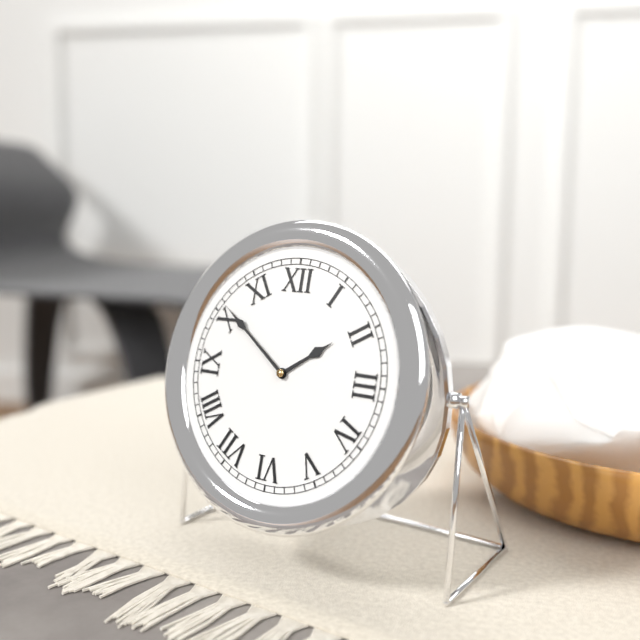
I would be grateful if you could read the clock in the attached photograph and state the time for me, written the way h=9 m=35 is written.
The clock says h=1 m=51
